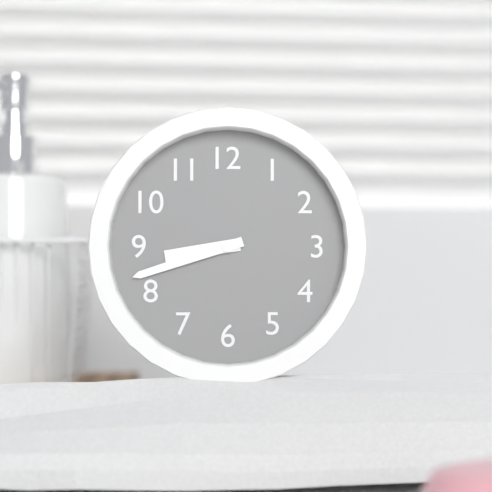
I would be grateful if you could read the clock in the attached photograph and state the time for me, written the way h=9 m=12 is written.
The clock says h=8 m=42
